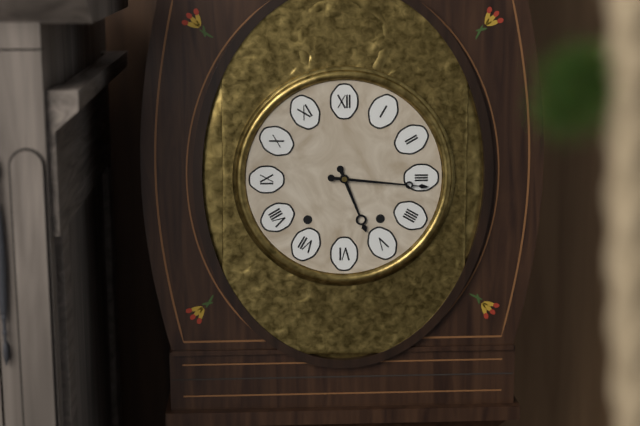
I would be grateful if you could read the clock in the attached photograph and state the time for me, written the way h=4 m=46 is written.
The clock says h=5 m=16
